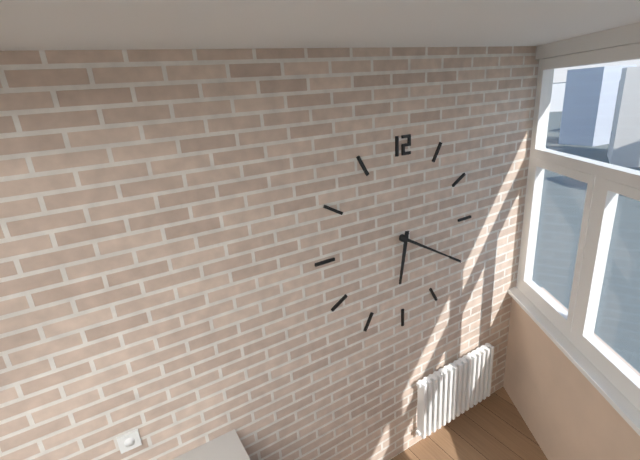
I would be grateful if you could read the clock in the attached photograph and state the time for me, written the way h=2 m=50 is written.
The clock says h=6 m=20
